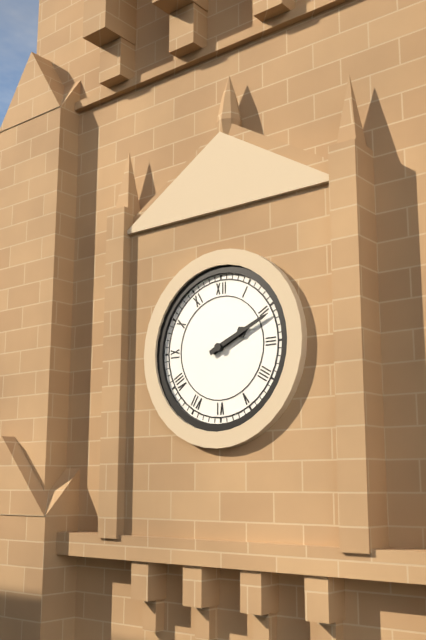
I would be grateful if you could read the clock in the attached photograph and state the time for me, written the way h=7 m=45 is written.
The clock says h=2 m=11
